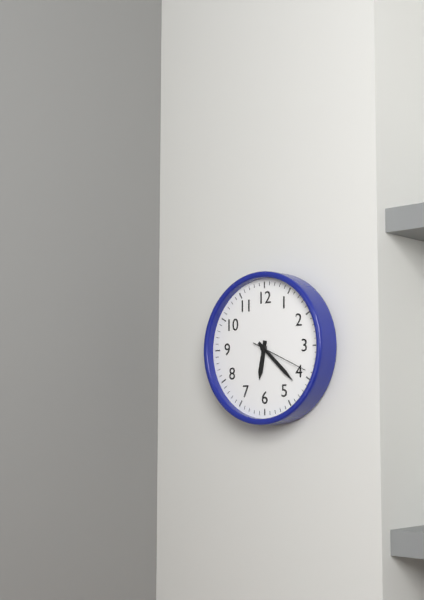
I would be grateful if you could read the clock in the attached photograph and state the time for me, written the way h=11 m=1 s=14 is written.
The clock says h=6 m=22 s=19
